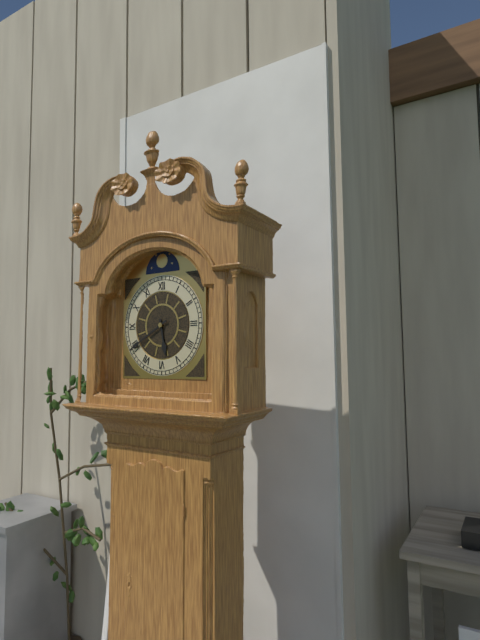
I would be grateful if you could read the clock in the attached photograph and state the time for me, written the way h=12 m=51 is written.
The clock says h=5 m=40
